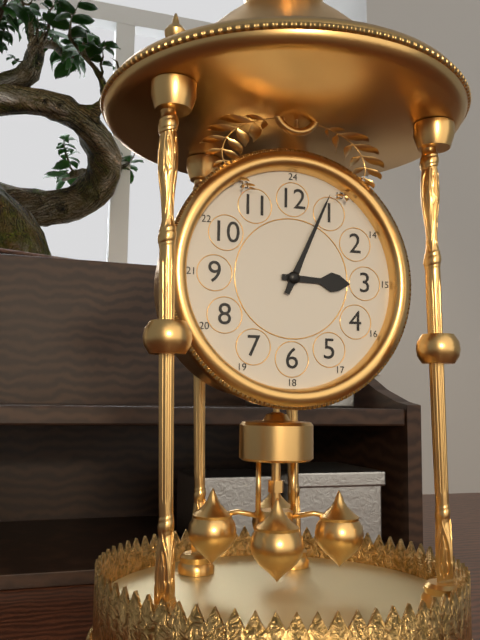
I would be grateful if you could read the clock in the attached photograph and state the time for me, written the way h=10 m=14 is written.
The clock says h=3 m=4
